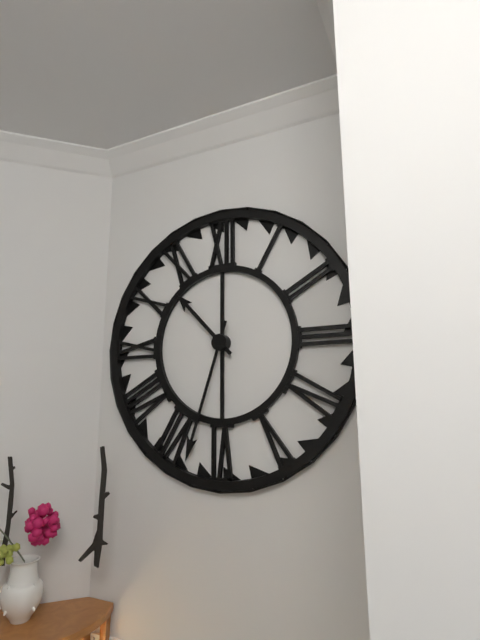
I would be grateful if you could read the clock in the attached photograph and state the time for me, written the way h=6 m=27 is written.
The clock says h=10 m=33
